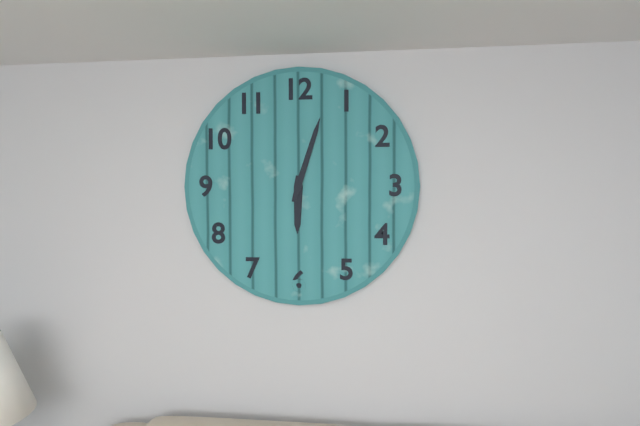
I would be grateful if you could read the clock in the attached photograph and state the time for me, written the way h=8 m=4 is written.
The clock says h=6 m=3
